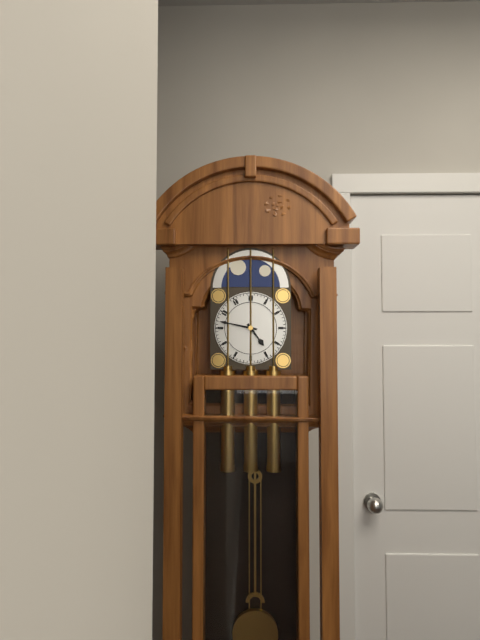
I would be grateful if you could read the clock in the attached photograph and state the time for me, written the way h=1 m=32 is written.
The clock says h=4 m=47
